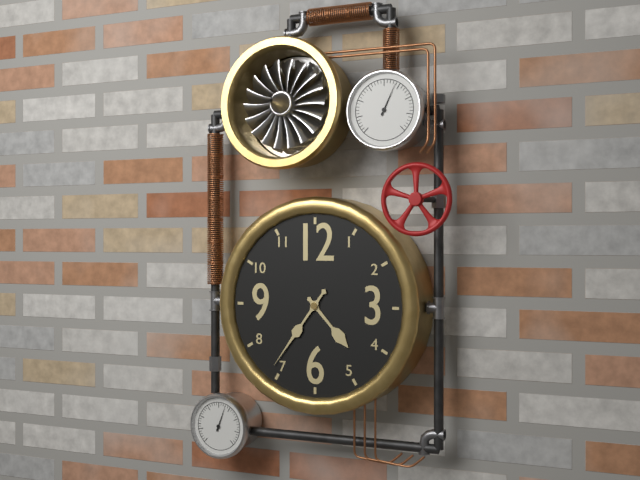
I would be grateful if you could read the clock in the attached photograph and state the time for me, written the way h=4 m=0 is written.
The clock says h=4 m=36
